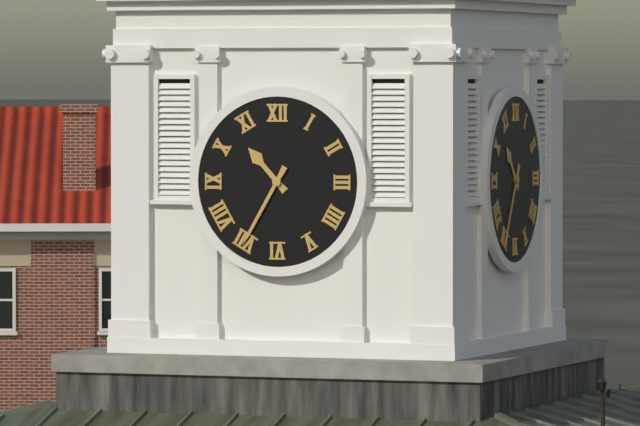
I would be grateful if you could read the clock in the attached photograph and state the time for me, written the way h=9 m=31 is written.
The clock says h=10 m=35
